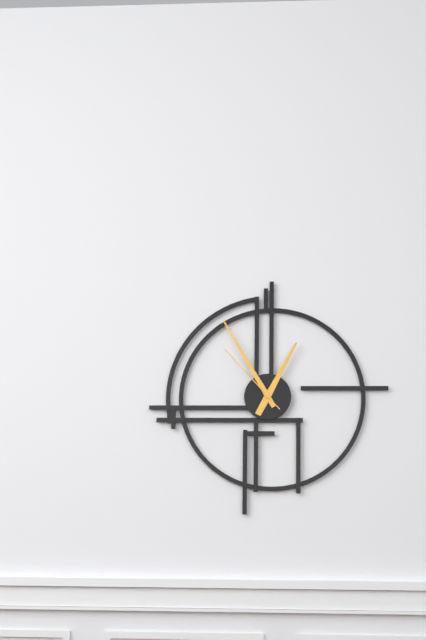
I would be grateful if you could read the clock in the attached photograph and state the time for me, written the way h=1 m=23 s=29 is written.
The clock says h=12 m=55 s=53
